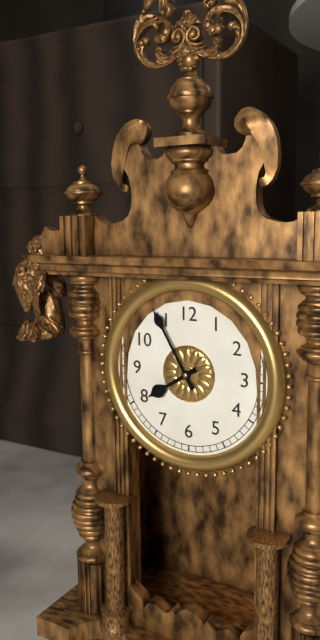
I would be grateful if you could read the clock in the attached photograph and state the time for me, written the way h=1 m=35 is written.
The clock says h=7 m=55
